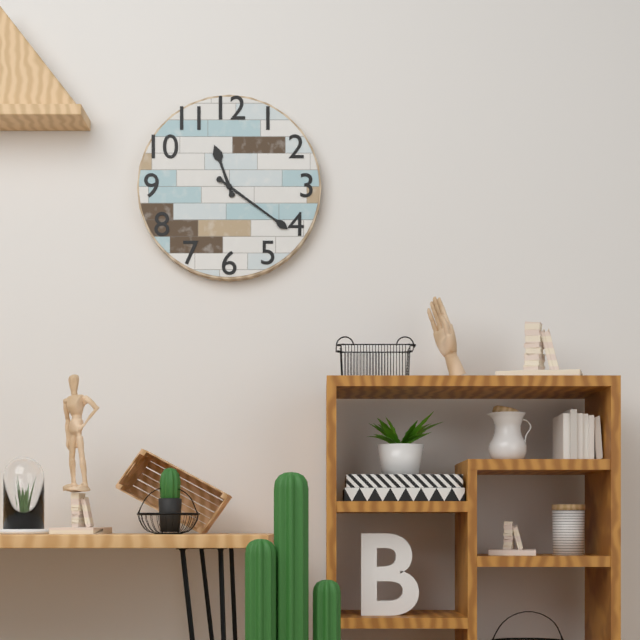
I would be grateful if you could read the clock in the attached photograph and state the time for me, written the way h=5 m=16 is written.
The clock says h=11 m=21
